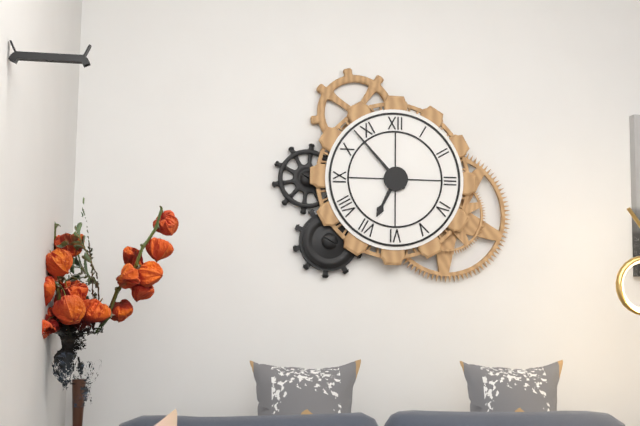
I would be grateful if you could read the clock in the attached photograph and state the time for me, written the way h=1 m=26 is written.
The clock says h=6 m=53
